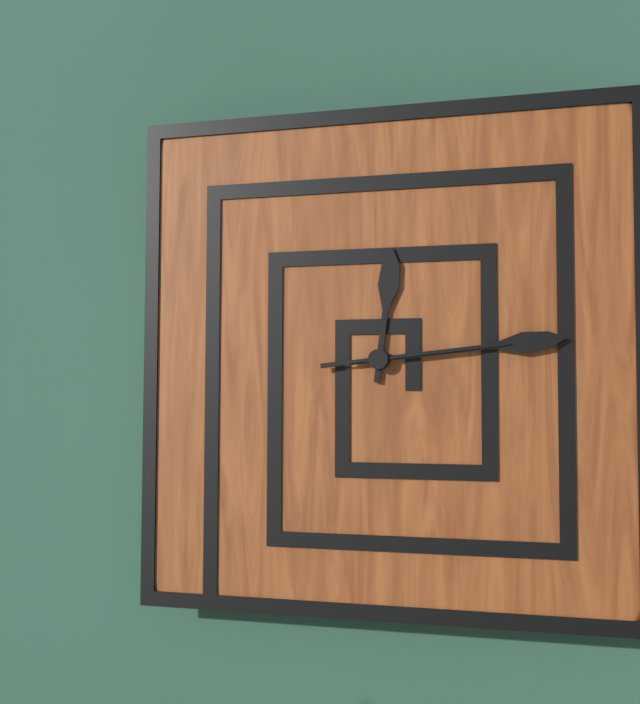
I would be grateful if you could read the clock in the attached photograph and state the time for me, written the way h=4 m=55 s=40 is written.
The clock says h=12 m=14 s=14
